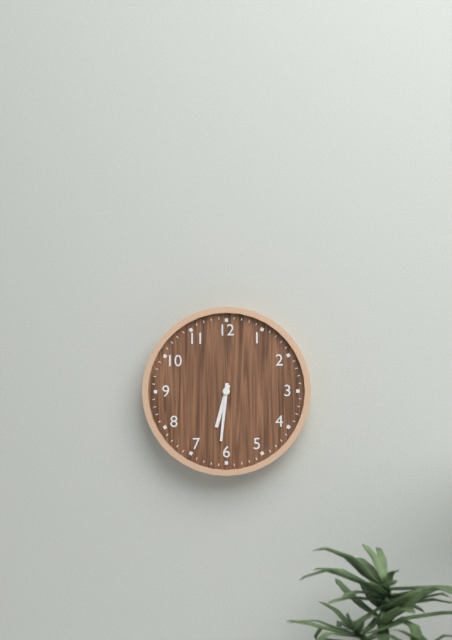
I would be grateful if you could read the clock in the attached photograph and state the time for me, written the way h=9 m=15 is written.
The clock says h=6 m=31
